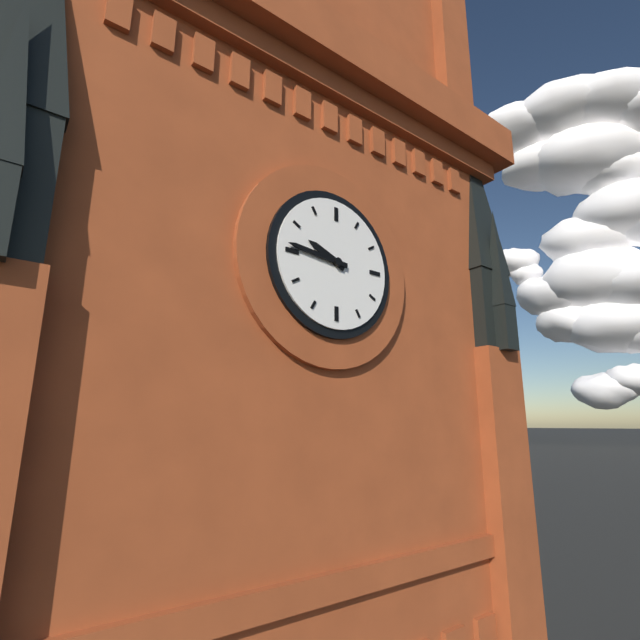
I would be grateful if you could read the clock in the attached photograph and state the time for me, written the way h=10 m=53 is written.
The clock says h=9 m=46
